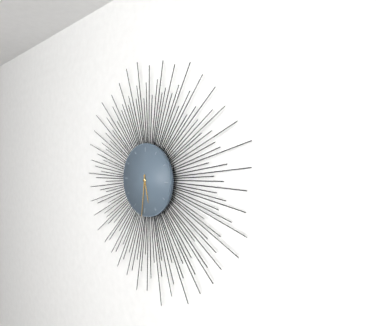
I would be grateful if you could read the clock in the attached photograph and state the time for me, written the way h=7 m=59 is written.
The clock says h=5 m=31
